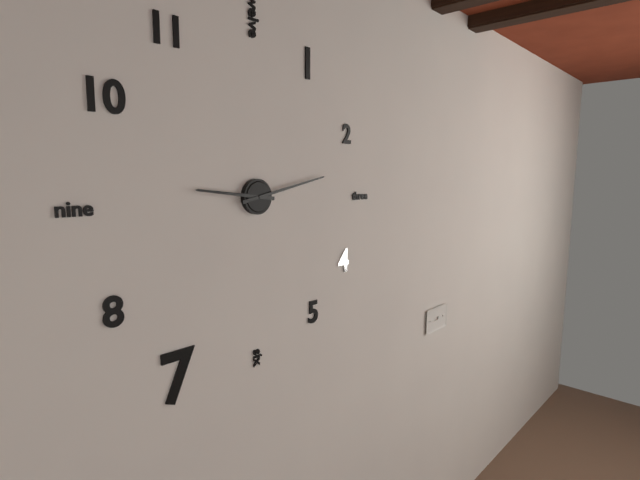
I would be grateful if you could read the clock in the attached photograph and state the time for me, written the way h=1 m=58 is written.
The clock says h=9 m=13
